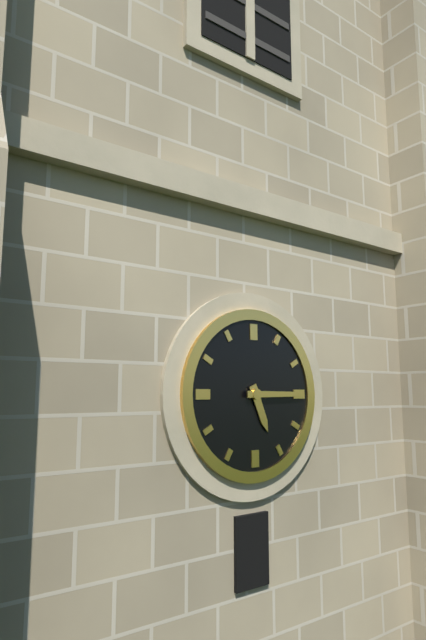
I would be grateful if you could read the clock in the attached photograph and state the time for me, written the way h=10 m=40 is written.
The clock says h=5 m=15
